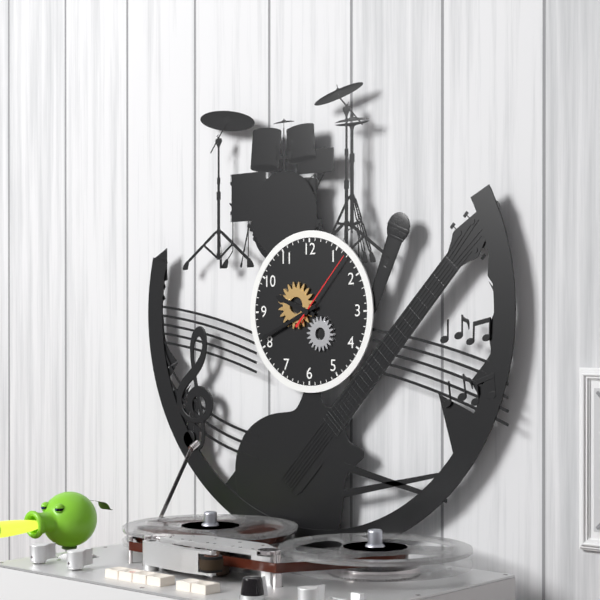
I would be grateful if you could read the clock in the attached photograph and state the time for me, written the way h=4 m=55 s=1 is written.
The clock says h=9 m=41 s=7
